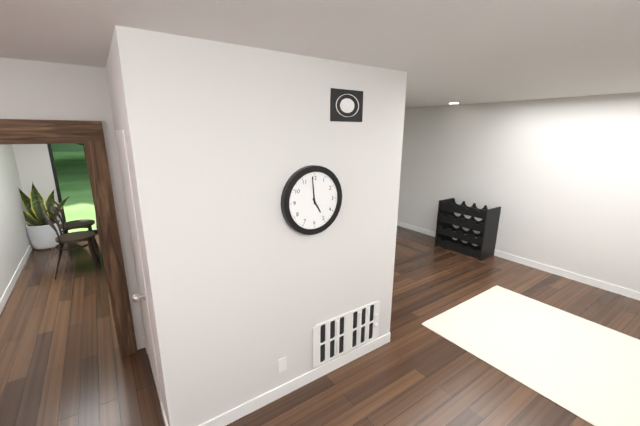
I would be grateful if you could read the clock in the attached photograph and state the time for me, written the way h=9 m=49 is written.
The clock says h=4 m=59
